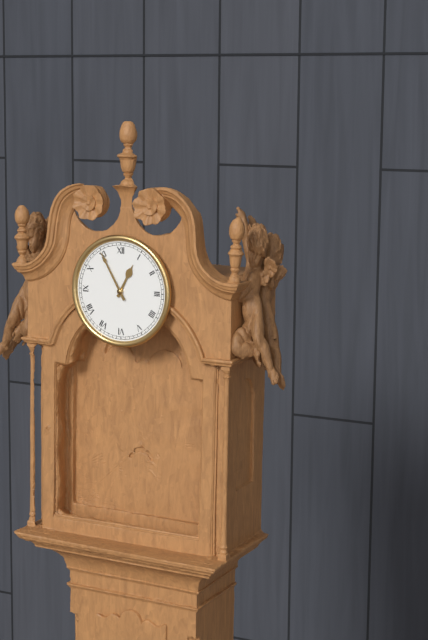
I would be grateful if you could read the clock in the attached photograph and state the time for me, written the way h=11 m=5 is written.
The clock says h=12 m=55
